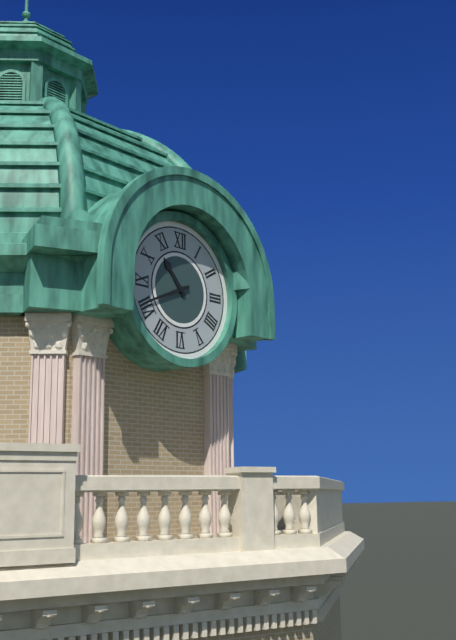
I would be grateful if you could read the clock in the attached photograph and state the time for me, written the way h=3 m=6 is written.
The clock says h=10 m=41
